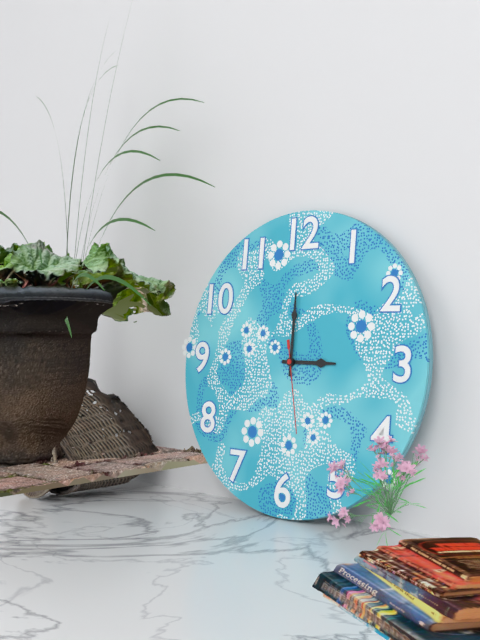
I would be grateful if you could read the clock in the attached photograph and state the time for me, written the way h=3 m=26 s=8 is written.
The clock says h=3 m=0 s=28
